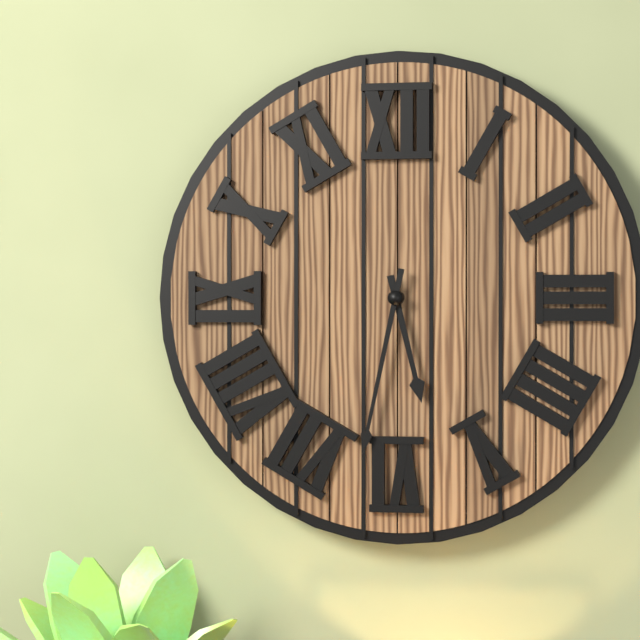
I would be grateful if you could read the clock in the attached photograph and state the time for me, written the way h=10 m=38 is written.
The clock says h=5 m=32
